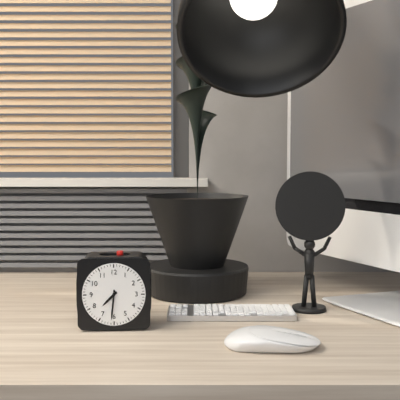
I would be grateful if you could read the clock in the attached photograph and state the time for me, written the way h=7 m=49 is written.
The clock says h=7 m=31
